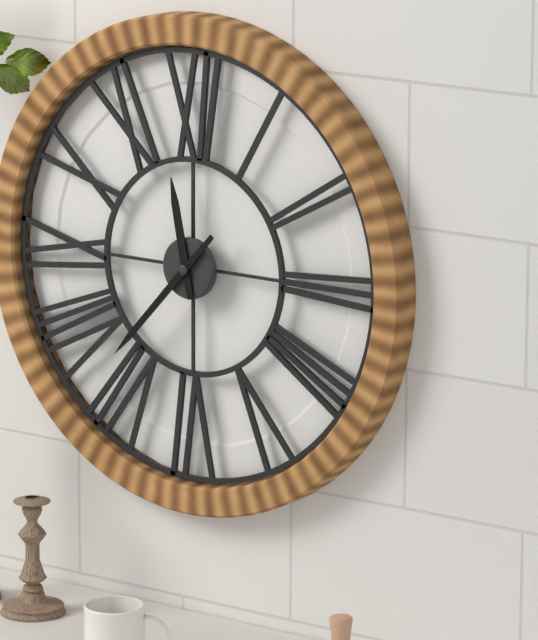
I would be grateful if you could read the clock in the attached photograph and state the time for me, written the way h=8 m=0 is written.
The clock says h=11 m=37
